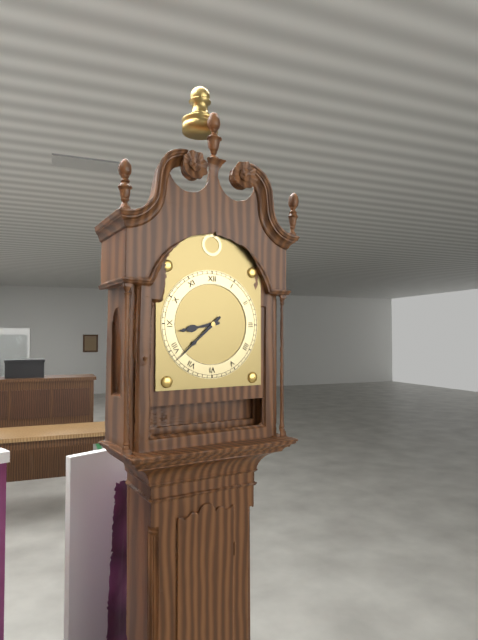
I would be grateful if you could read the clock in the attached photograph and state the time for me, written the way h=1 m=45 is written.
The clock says h=8 m=38
